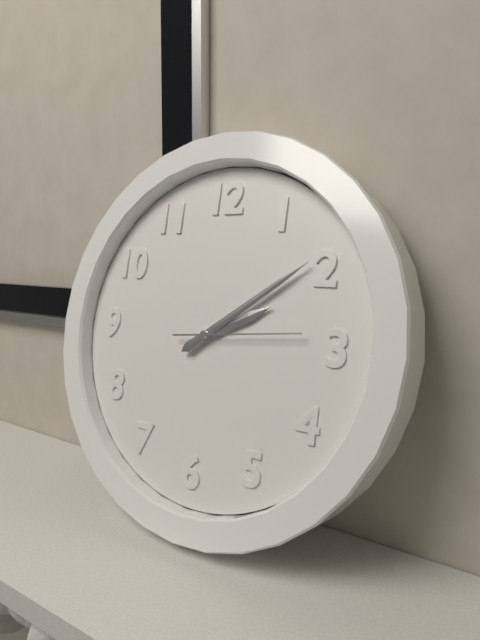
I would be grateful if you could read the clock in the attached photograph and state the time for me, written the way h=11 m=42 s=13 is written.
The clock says h=2 m=9 s=14
